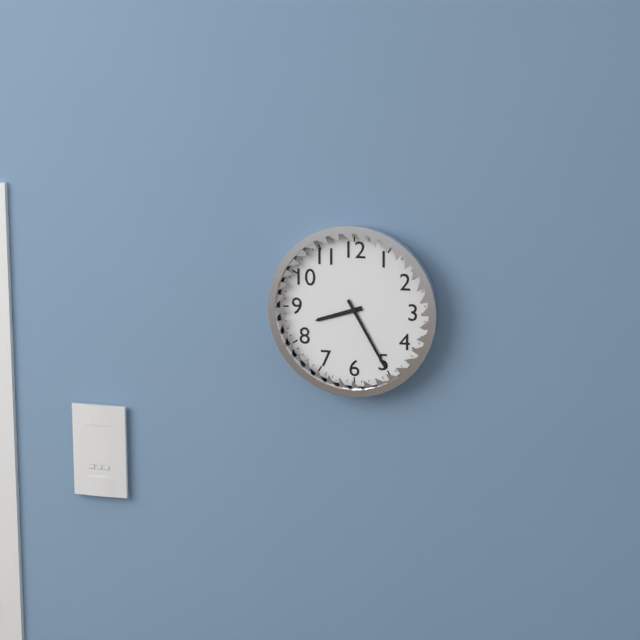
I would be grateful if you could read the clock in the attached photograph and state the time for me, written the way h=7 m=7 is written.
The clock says h=8 m=25
